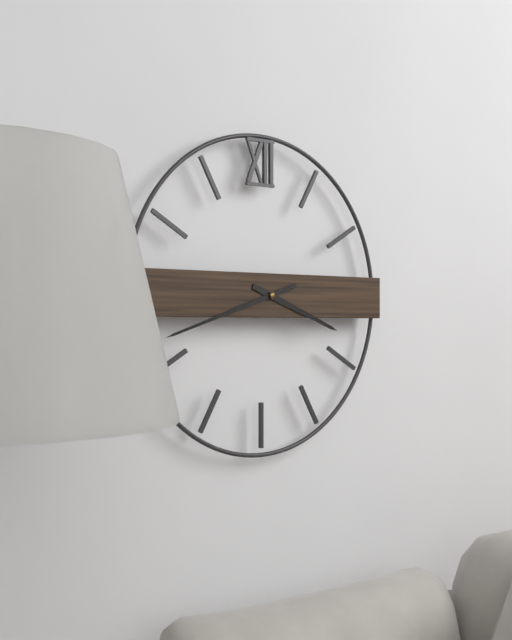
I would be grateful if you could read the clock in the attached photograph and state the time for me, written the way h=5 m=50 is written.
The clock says h=3 m=42
